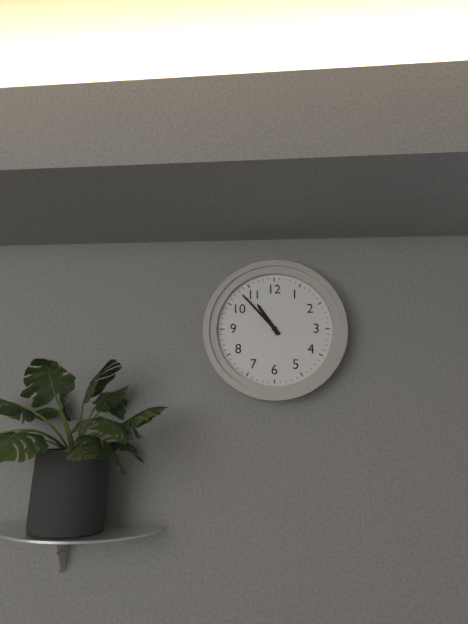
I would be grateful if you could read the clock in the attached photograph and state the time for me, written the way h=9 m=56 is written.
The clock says h=10 m=53
